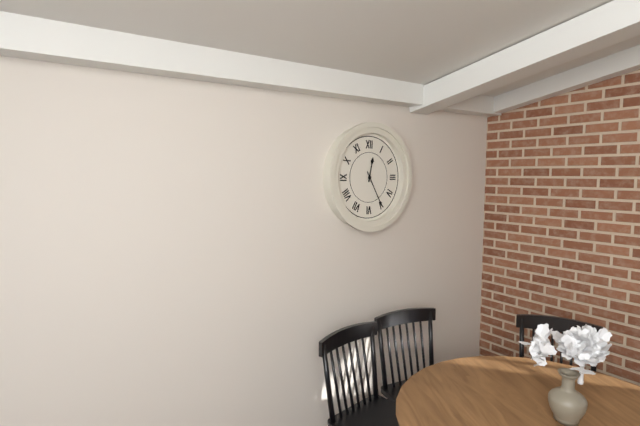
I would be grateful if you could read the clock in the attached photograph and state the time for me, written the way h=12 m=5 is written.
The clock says h=12 m=25
